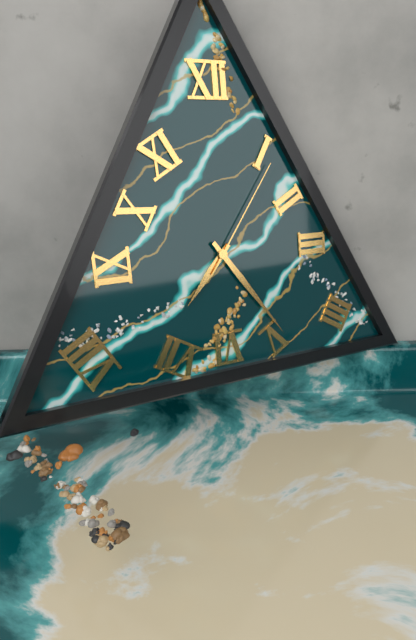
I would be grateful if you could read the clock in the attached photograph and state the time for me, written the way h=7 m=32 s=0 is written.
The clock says h=7 m=24 s=6
